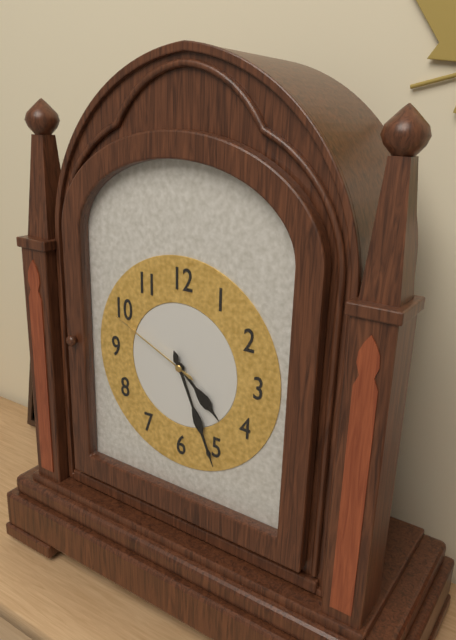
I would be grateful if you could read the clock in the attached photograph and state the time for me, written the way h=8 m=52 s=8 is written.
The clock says h=4 m=26 s=49
